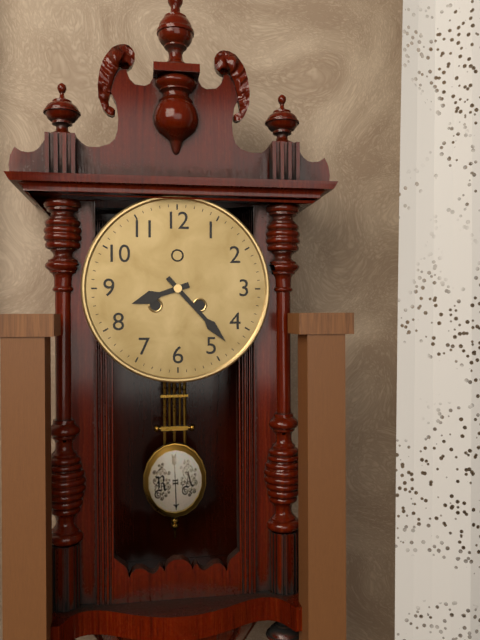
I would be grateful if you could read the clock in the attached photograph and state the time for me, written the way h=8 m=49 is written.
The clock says h=8 m=23
